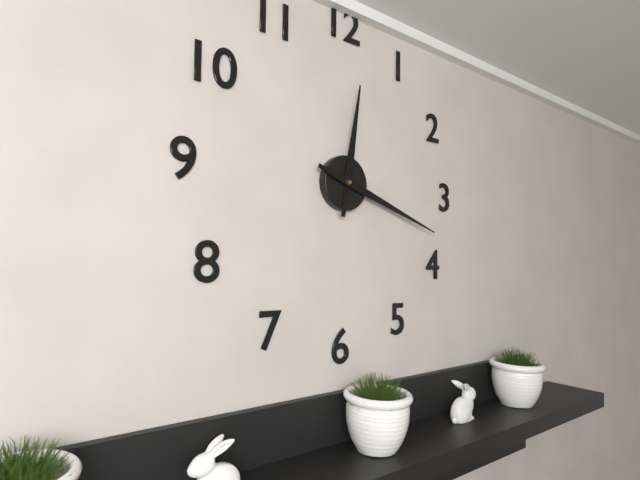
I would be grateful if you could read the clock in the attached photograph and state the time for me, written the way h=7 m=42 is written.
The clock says h=12 m=18
